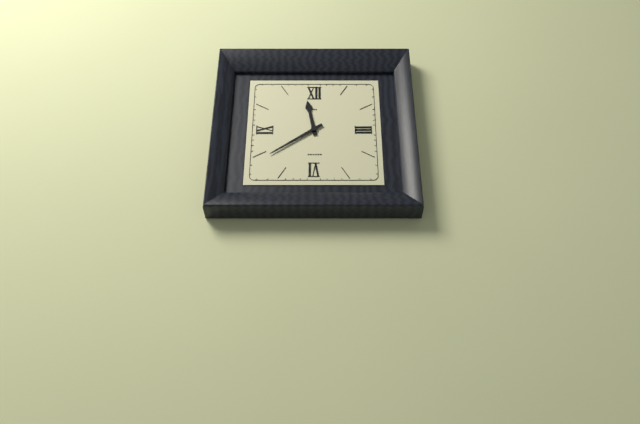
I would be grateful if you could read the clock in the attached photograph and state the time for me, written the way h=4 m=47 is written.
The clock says h=11 m=39
